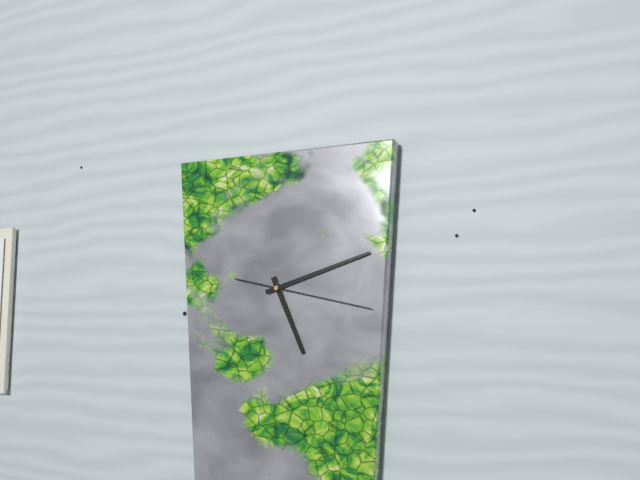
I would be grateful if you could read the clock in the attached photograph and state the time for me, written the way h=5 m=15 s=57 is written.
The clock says h=5 m=12 s=17
